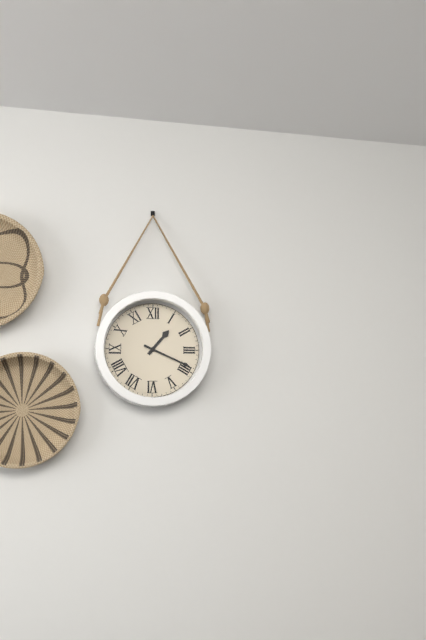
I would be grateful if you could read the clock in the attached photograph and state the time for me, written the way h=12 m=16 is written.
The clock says h=1 m=19
